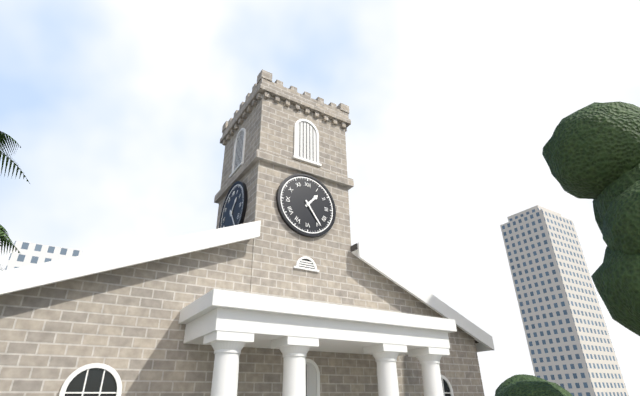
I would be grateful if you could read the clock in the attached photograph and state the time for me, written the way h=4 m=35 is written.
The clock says h=1 m=24
